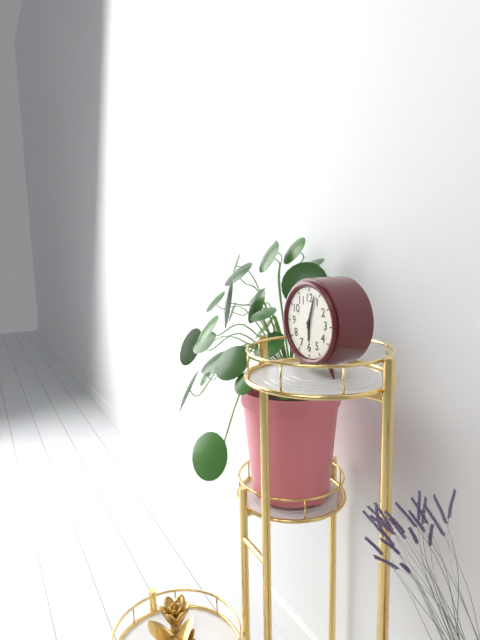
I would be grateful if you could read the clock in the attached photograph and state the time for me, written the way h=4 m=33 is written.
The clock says h=6 m=3
